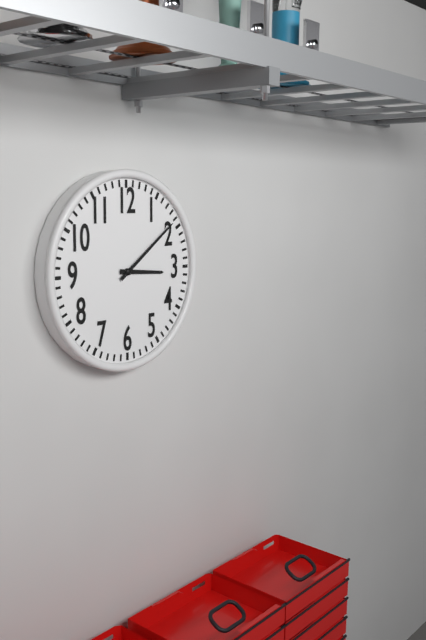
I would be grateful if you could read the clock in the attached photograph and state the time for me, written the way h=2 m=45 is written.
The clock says h=3 m=9
